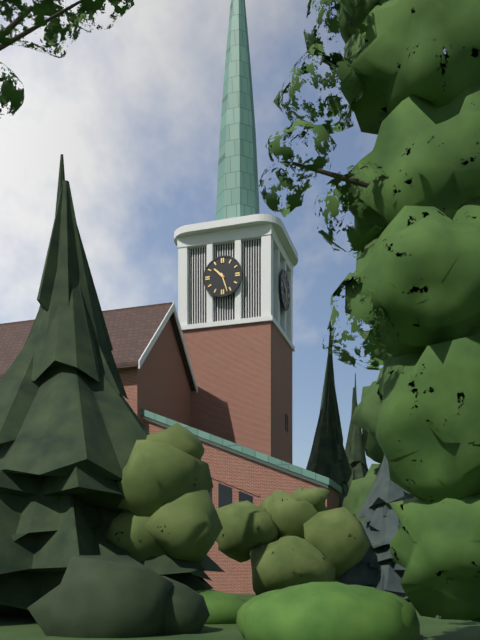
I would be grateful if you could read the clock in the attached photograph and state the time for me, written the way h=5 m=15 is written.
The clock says h=10 m=27
